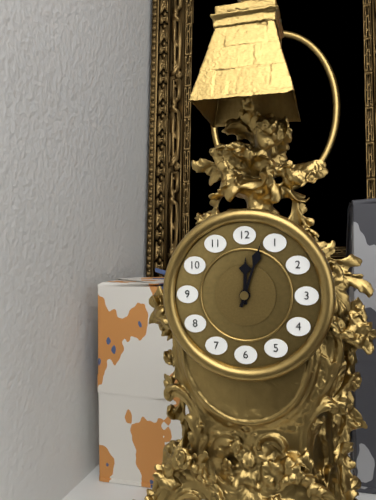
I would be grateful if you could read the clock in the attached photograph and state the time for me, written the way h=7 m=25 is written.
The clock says h=12 m=3
